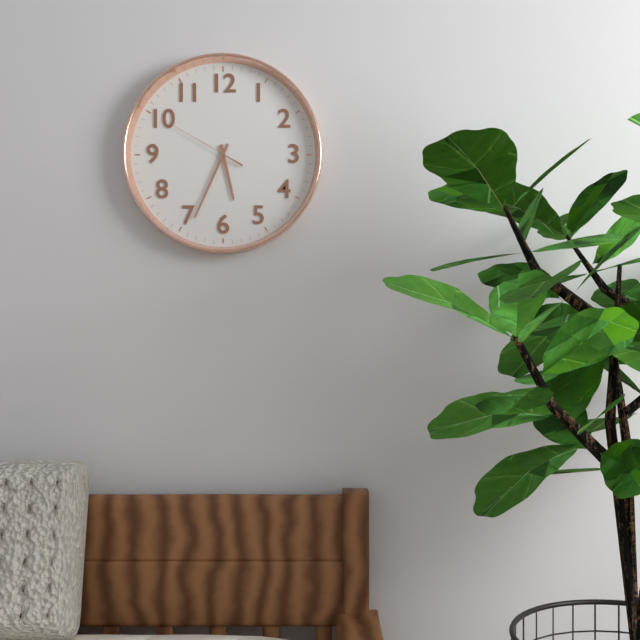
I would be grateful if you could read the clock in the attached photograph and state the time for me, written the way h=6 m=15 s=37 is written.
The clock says h=5 m=34 s=50
